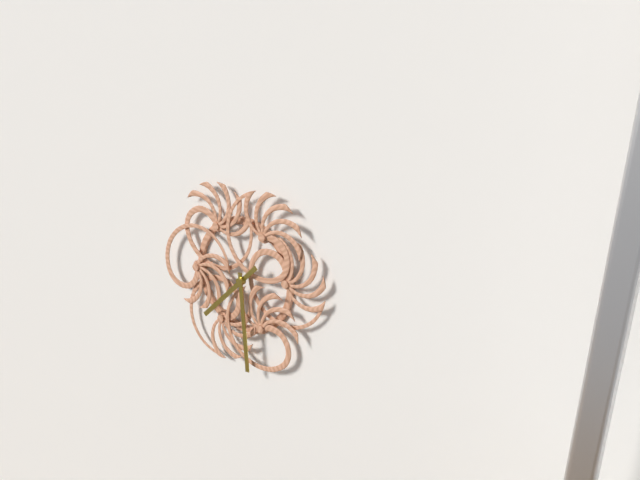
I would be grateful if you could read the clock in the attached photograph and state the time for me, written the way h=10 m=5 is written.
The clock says h=7 m=29
